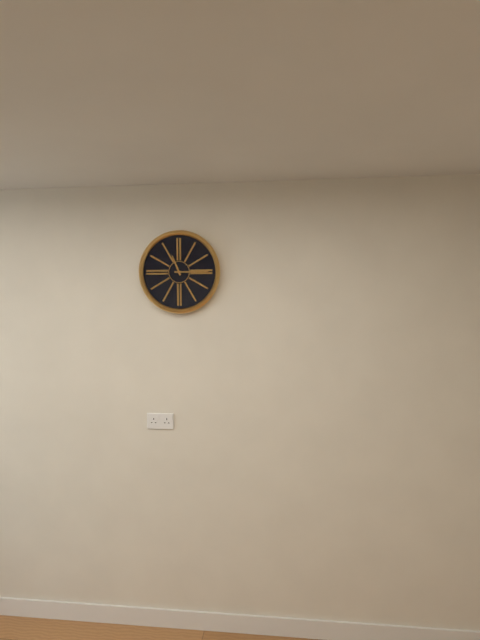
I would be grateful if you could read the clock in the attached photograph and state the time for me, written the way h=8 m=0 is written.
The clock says h=11 m=15
